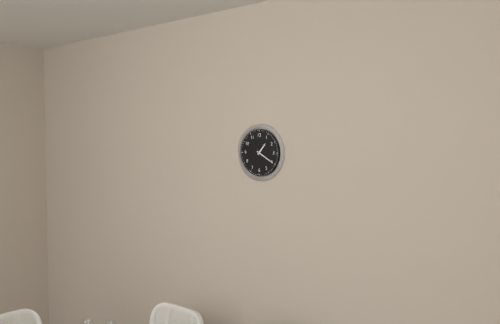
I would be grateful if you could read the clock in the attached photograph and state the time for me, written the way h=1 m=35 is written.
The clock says h=1 m=20
